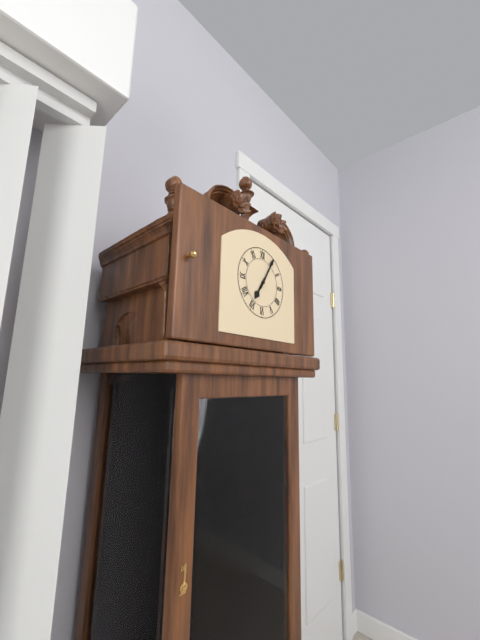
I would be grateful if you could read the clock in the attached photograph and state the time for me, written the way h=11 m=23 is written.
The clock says h=7 m=5
